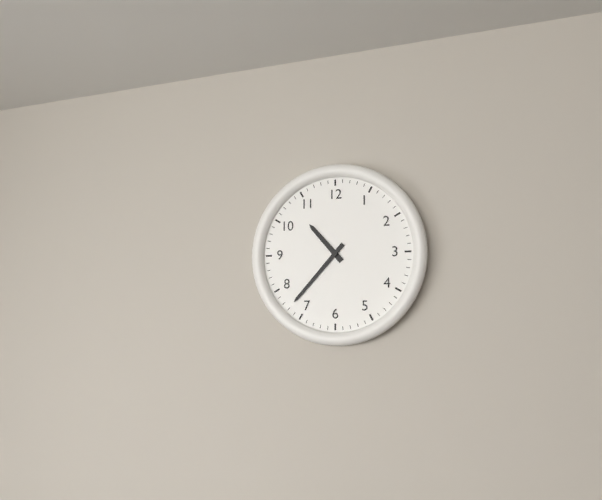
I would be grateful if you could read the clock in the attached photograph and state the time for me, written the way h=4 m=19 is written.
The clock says h=10 m=37
